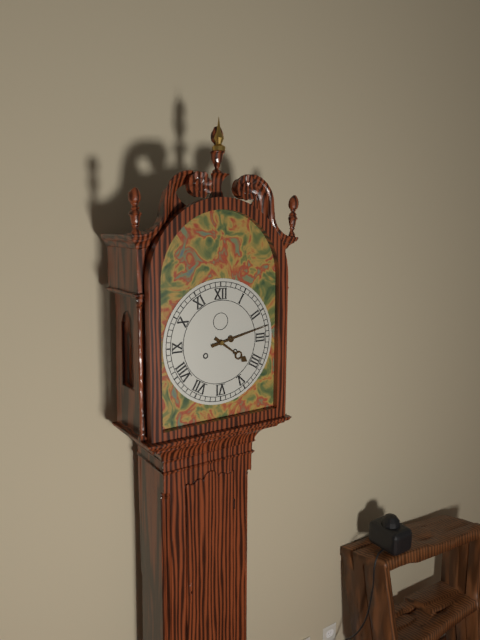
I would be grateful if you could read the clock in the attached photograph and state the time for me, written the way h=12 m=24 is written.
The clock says h=4 m=13
